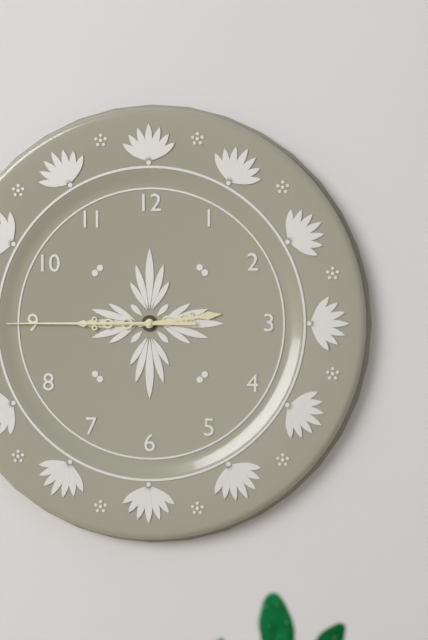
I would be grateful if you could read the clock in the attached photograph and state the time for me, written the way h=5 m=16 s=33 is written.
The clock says h=2 m=45 s=45
